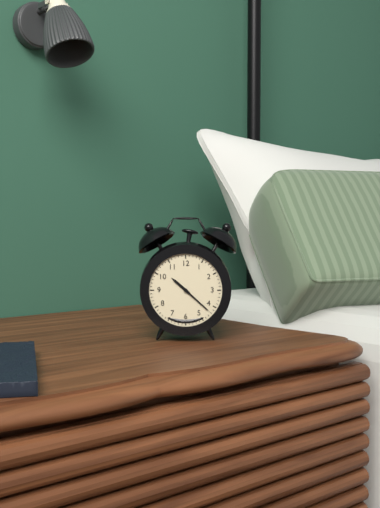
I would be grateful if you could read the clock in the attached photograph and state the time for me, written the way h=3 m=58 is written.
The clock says h=10 m=22
